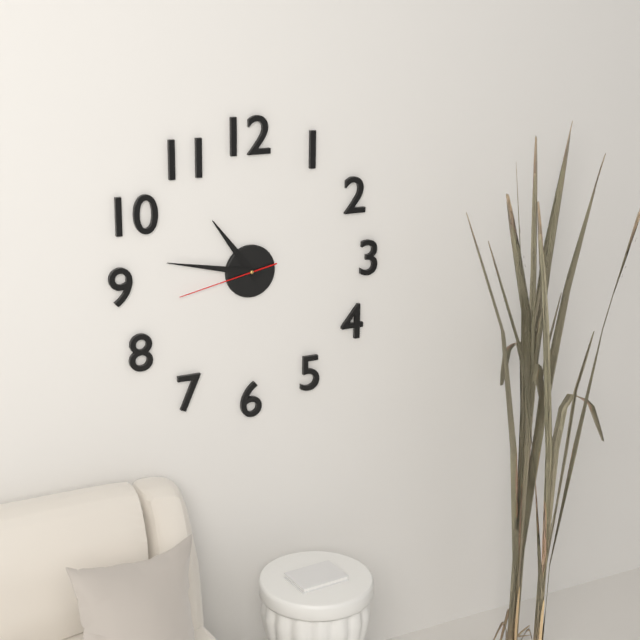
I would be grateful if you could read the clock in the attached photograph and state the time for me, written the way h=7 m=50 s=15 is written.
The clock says h=10 m=47 s=43
